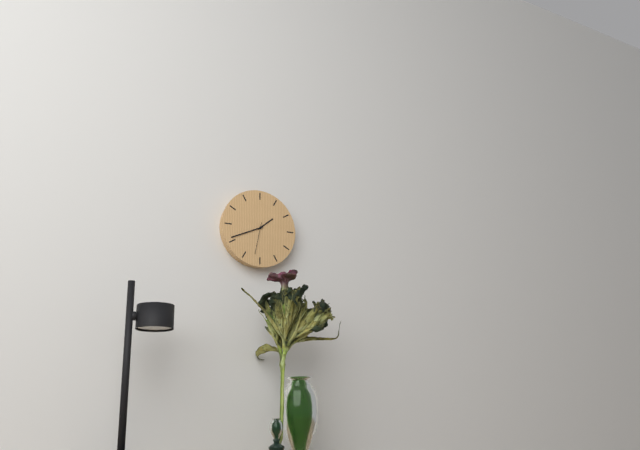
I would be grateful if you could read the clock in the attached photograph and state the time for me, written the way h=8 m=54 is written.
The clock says h=1 m=41
